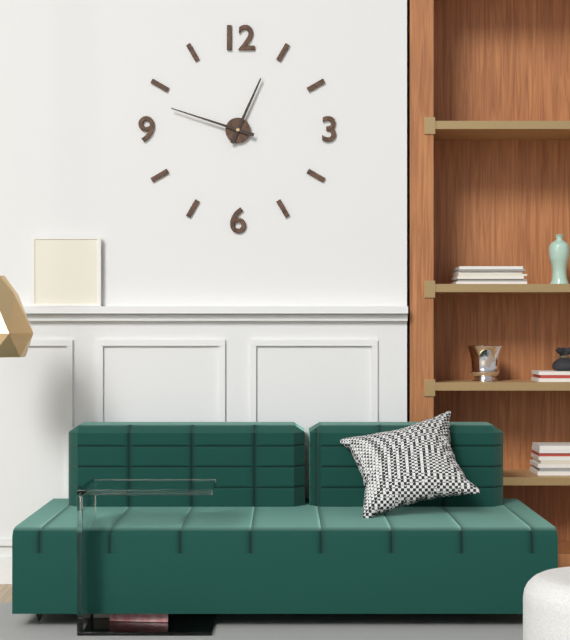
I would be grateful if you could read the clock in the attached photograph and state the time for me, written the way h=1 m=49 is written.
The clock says h=12 m=48
